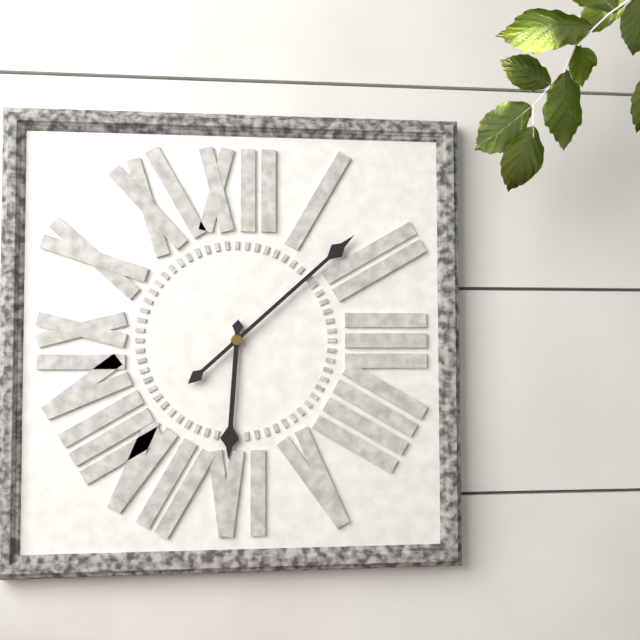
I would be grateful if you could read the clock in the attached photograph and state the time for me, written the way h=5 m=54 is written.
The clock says h=6 m=8
